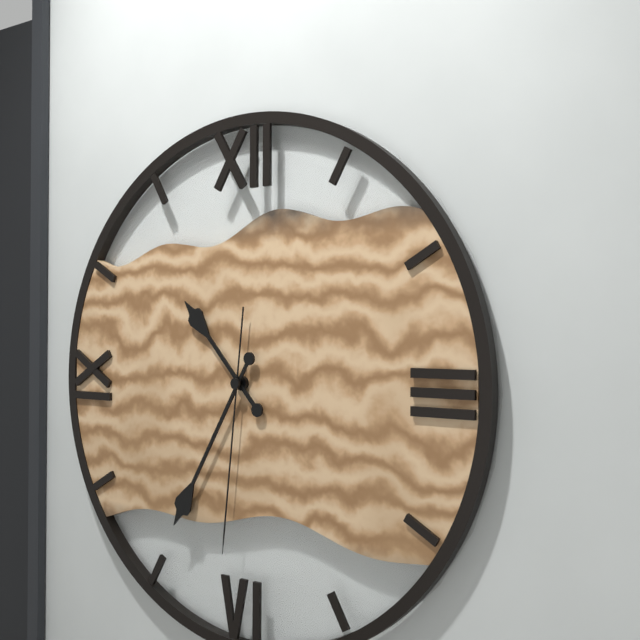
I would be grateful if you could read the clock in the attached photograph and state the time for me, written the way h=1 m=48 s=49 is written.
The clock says h=10 m=35 s=31
